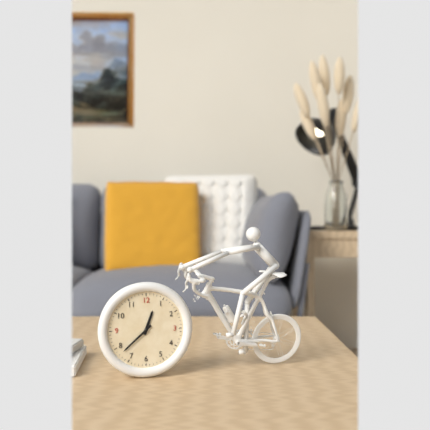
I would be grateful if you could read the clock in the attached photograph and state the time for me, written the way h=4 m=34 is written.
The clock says h=12 m=38
